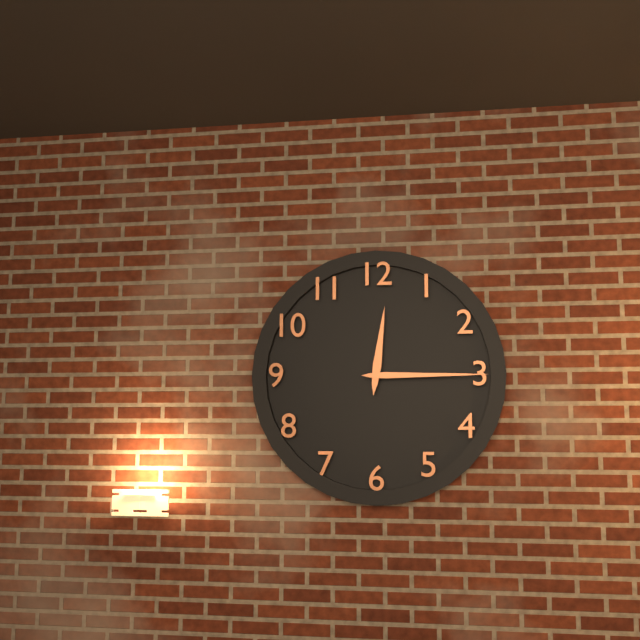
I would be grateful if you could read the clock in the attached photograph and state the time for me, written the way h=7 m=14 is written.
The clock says h=12 m=15
